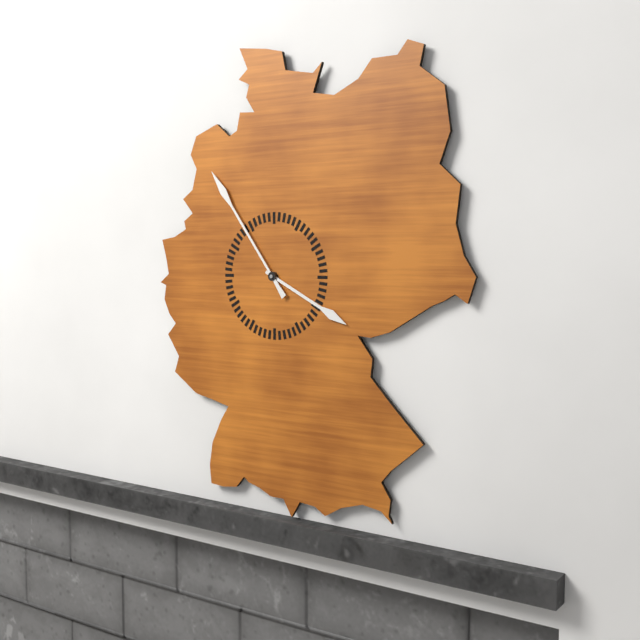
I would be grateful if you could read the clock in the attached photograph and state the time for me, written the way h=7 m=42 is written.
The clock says h=3 m=54
